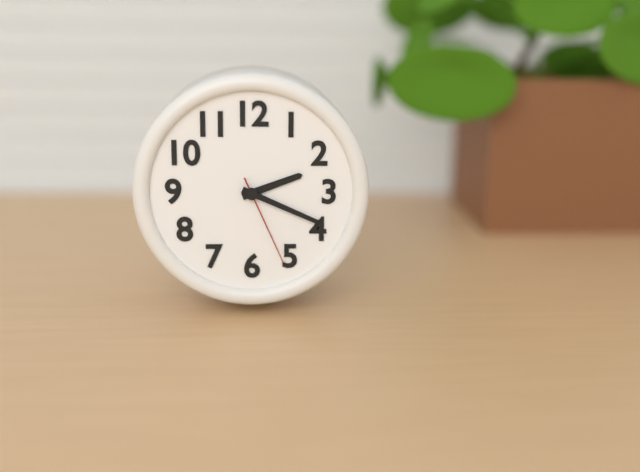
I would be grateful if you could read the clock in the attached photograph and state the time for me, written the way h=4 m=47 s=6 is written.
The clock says h=2 m=19 s=26
